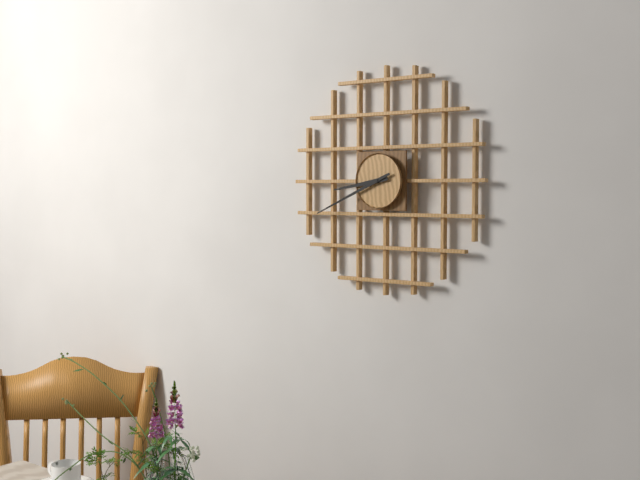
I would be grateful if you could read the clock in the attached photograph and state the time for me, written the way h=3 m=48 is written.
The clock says h=8 m=41
